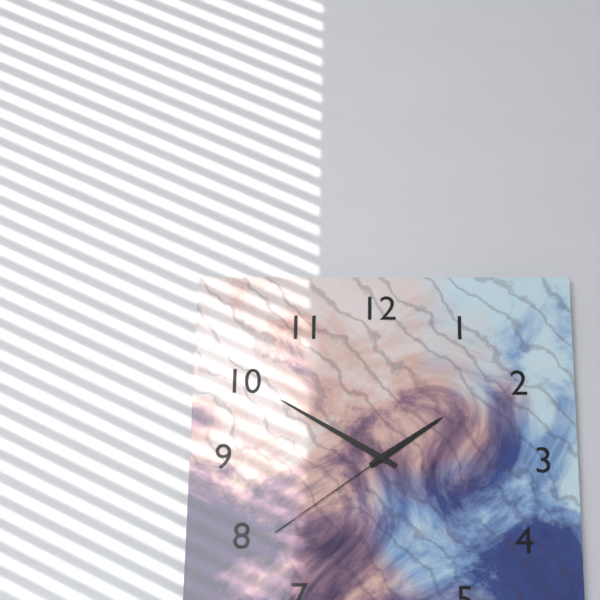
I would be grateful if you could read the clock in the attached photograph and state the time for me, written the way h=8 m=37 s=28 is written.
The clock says h=1 m=50 s=39
